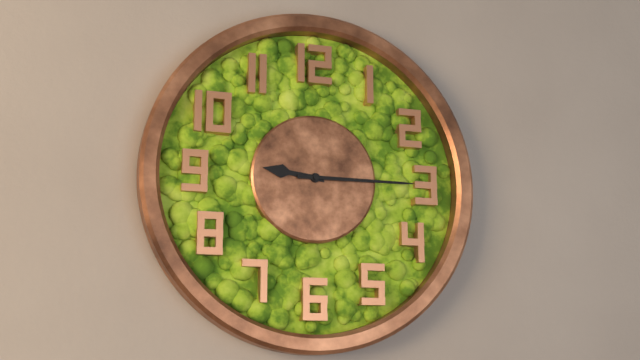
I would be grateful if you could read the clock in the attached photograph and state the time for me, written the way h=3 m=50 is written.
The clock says h=9 m=15
